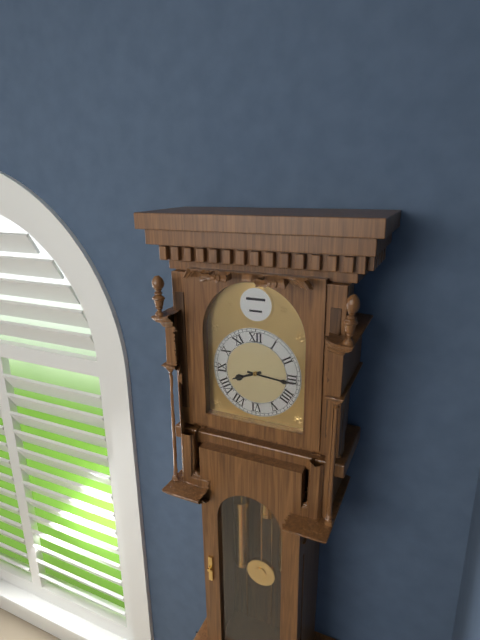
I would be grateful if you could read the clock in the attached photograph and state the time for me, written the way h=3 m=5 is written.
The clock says h=8 m=16
